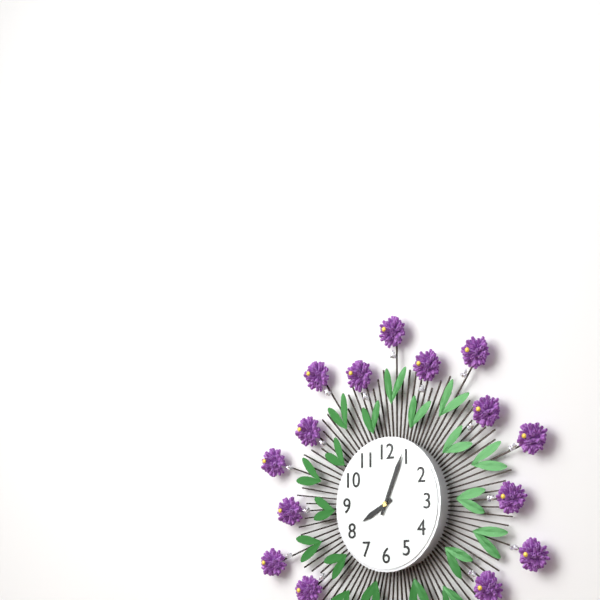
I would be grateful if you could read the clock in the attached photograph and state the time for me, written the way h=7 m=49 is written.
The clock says h=8 m=4
